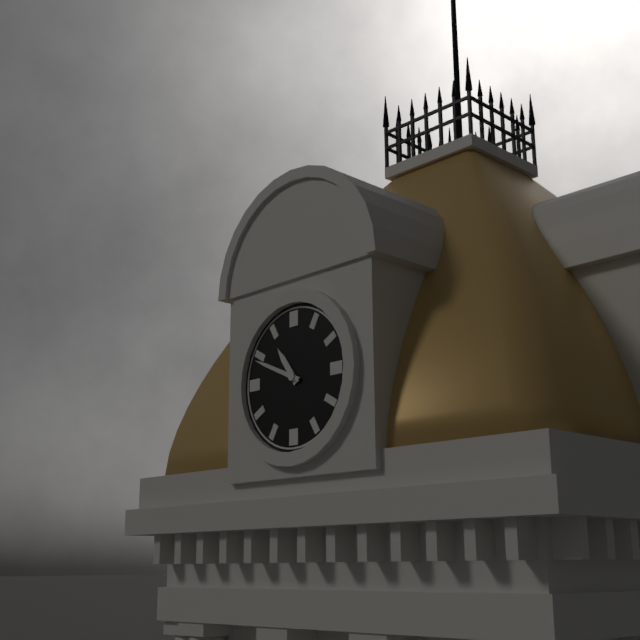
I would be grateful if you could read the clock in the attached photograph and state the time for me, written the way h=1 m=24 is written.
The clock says h=10 m=49
